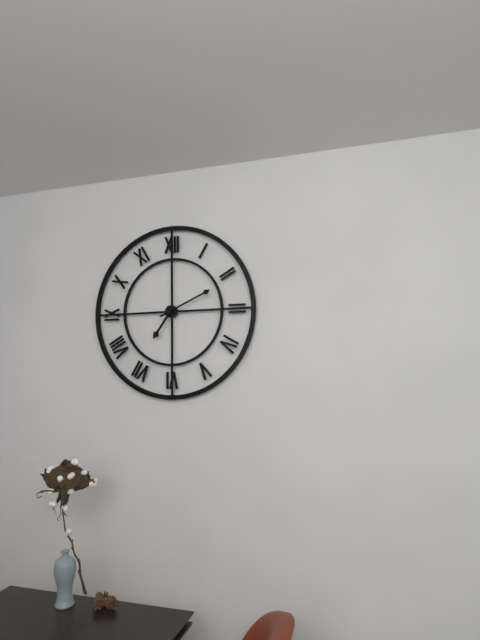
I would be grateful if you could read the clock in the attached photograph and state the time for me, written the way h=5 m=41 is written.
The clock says h=7 m=11
